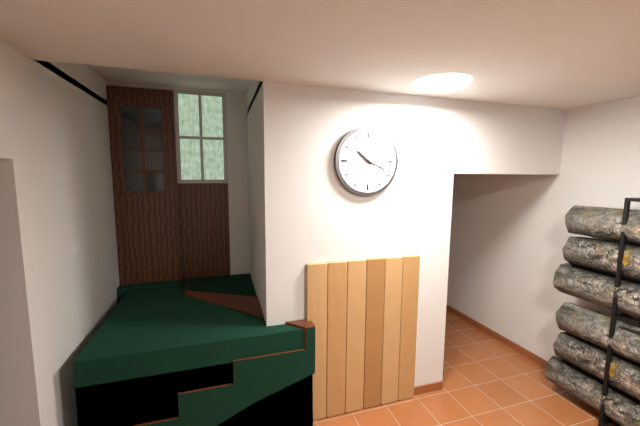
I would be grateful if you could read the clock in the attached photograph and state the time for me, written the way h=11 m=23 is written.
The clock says h=10 m=19
